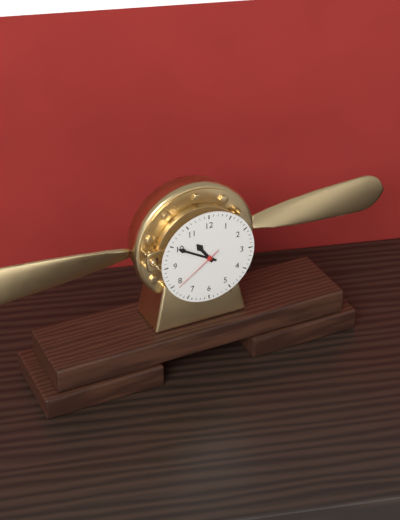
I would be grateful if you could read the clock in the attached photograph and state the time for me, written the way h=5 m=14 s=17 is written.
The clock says h=10 m=50 s=39
